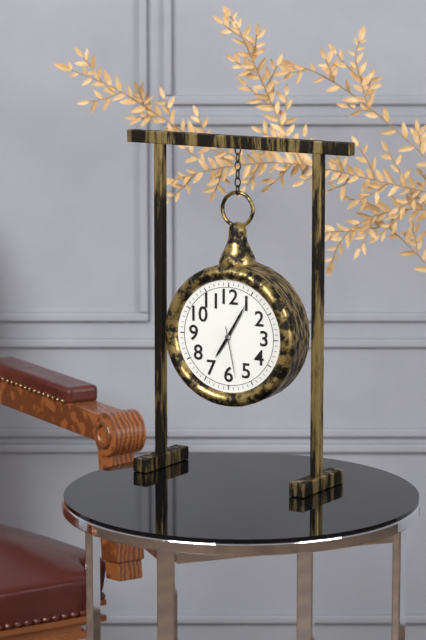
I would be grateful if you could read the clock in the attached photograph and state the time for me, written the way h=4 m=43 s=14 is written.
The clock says h=7 m=5 s=28
